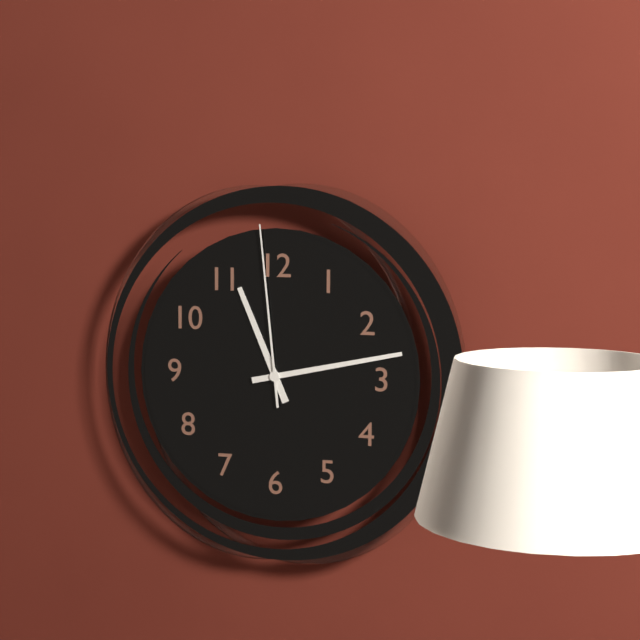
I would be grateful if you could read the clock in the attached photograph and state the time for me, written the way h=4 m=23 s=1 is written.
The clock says h=11 m=13 s=59
